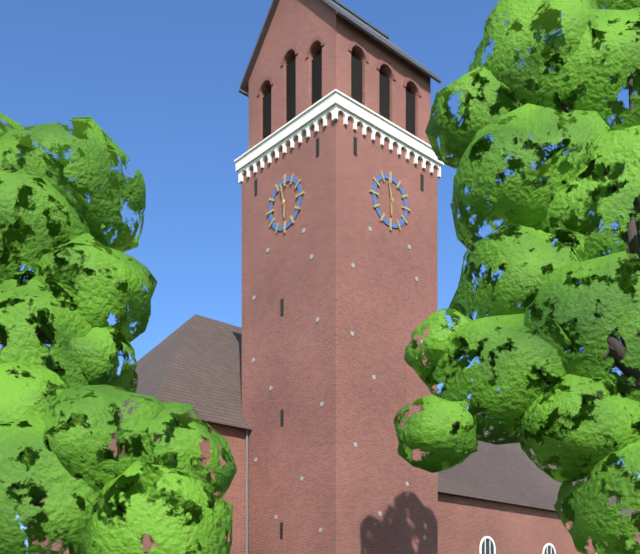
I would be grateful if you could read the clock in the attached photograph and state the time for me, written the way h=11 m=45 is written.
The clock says h=5 m=58
